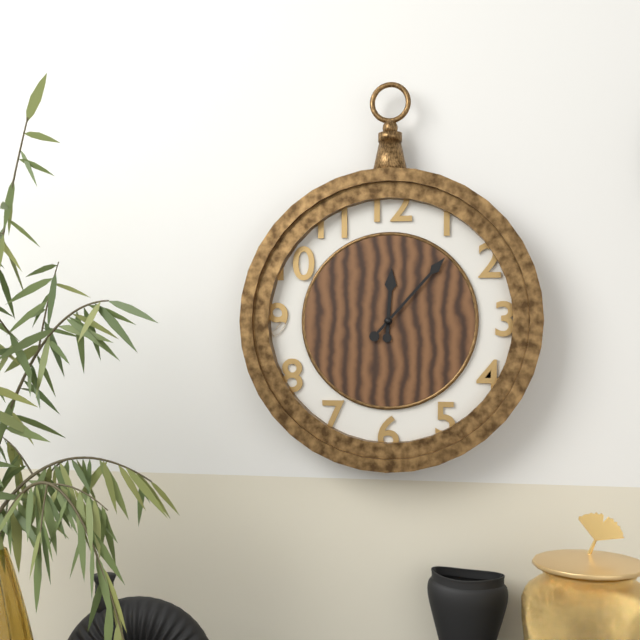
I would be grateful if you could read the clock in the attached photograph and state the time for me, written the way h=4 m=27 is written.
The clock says h=12 m=7
